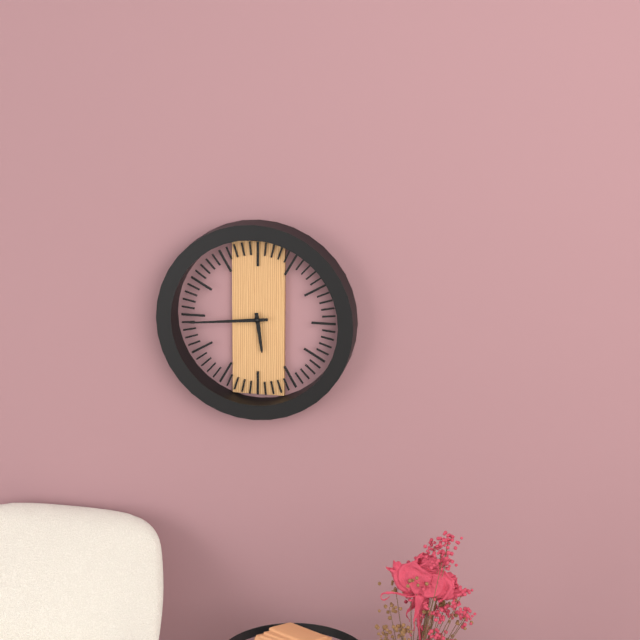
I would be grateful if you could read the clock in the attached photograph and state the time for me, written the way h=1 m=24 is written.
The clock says h=5 m=44
